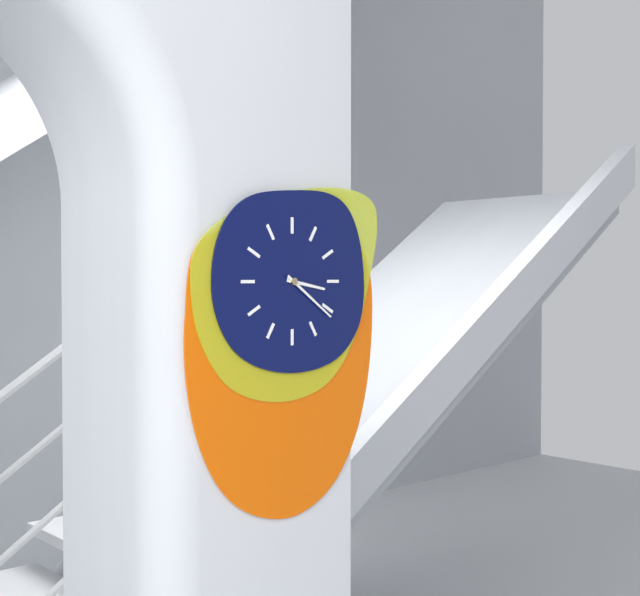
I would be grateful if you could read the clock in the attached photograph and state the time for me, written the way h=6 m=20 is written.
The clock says h=3 m=21
